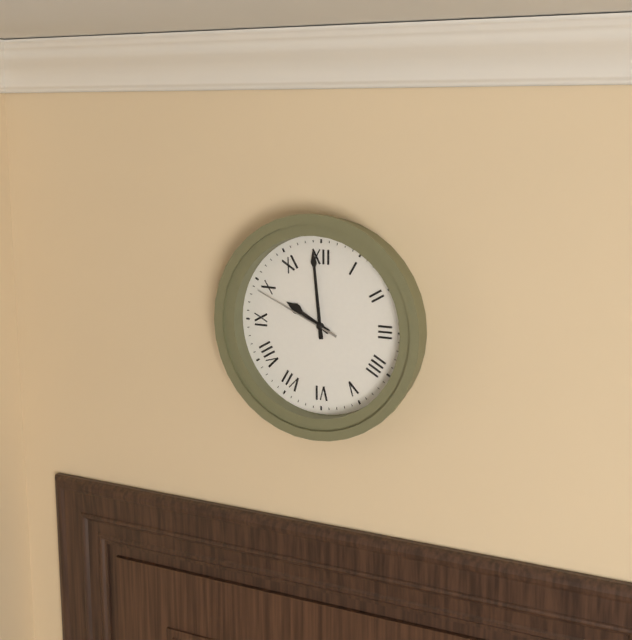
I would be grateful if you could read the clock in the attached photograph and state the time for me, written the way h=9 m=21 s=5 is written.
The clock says h=9 m=59 s=49
